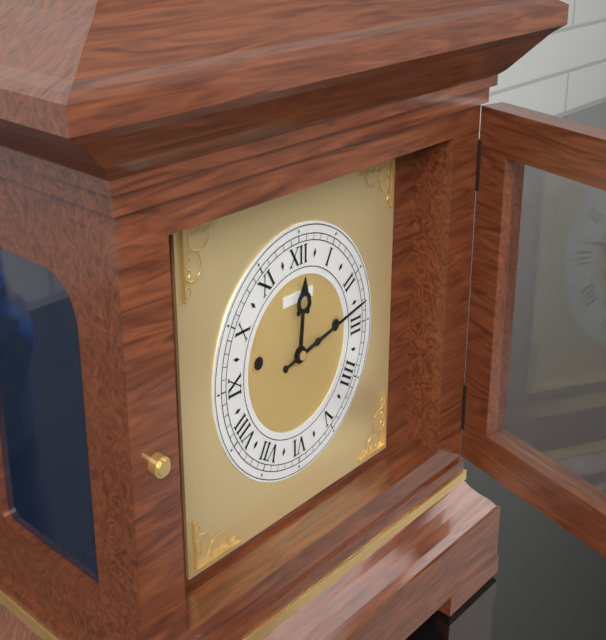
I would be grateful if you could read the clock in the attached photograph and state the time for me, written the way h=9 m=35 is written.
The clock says h=12 m=13
